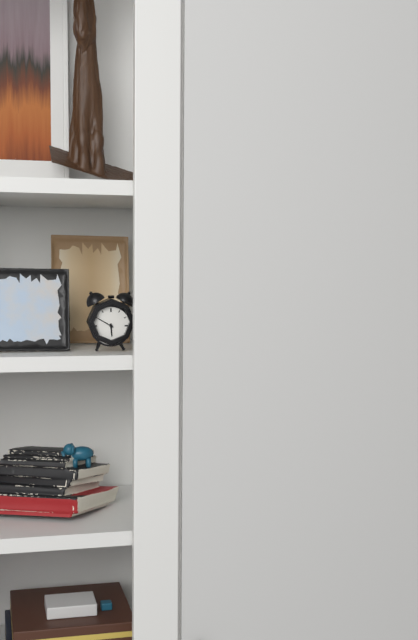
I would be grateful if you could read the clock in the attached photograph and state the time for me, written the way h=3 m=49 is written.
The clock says h=5 m=50
